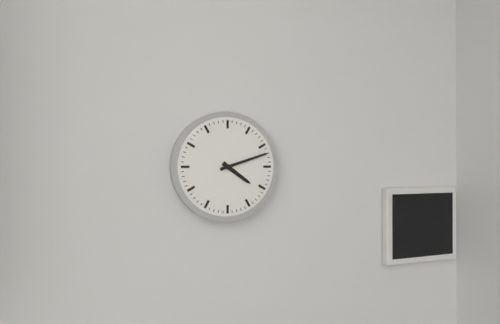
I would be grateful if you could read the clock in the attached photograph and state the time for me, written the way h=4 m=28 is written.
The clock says h=4 m=12
